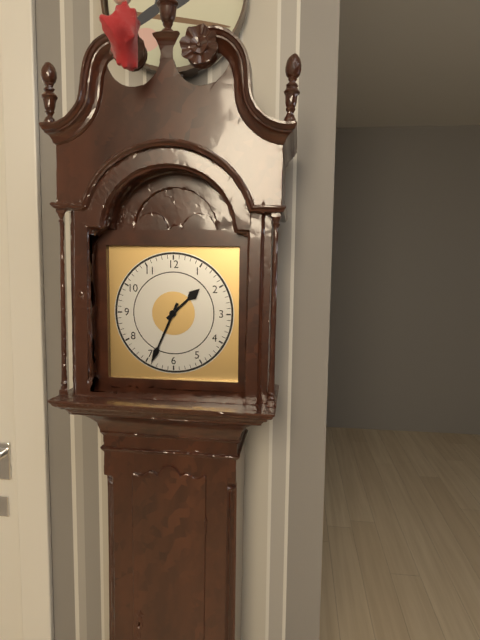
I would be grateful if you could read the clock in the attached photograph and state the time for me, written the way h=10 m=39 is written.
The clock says h=1 m=34
